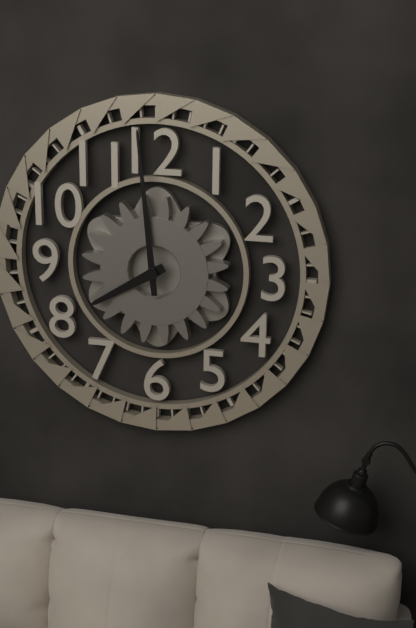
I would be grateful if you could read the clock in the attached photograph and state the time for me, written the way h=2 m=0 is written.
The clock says h=7 m=59
